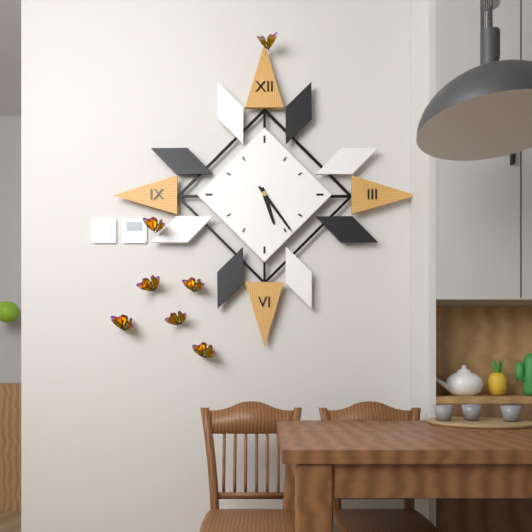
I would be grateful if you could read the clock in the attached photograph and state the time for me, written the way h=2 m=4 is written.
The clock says h=5 m=24
